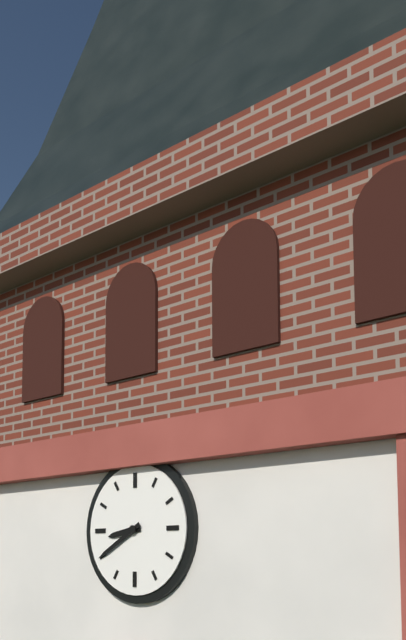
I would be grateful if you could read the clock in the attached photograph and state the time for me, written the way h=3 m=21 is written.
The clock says h=8 m=40
